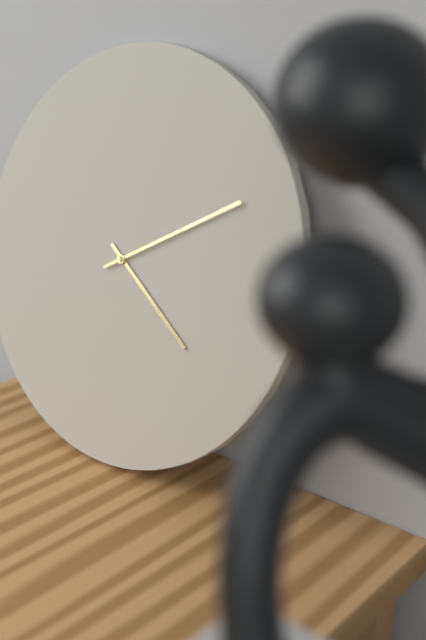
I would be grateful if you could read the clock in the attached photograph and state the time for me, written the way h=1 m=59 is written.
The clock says h=4 m=10
